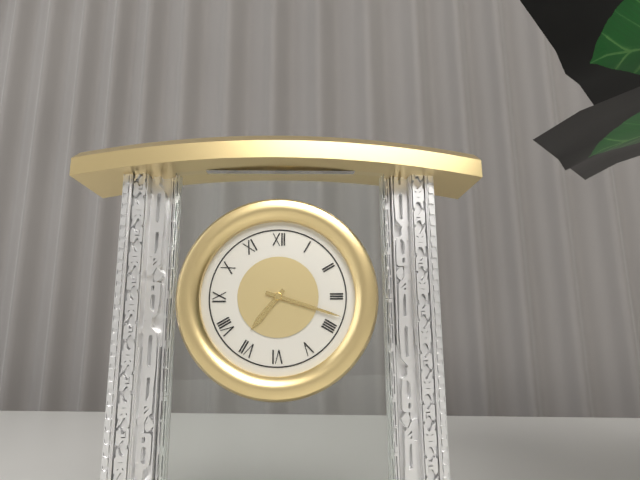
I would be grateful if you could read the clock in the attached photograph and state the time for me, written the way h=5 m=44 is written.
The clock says h=7 m=18
